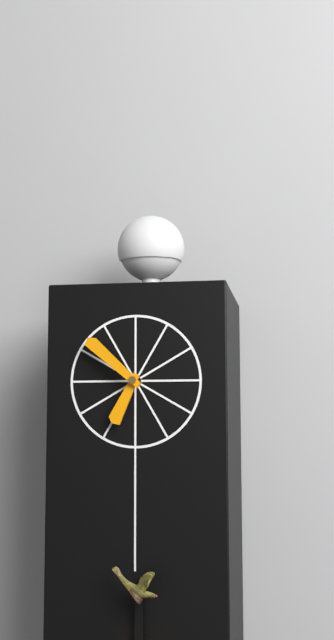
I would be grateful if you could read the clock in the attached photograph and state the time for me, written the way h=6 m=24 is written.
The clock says h=6 m=52
